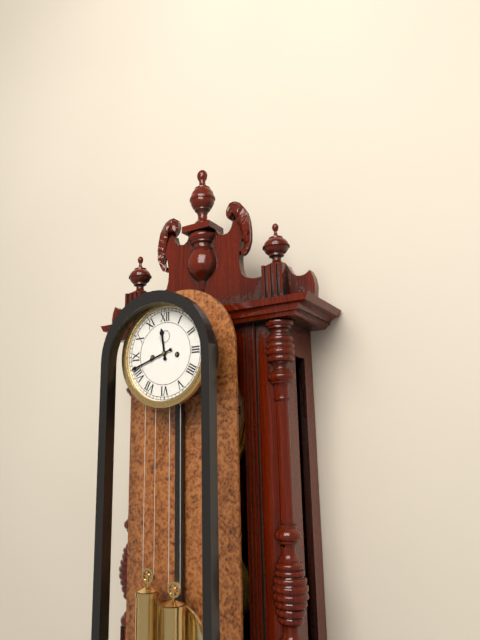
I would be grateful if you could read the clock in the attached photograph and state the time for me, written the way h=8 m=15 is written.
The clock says h=11 m=42
